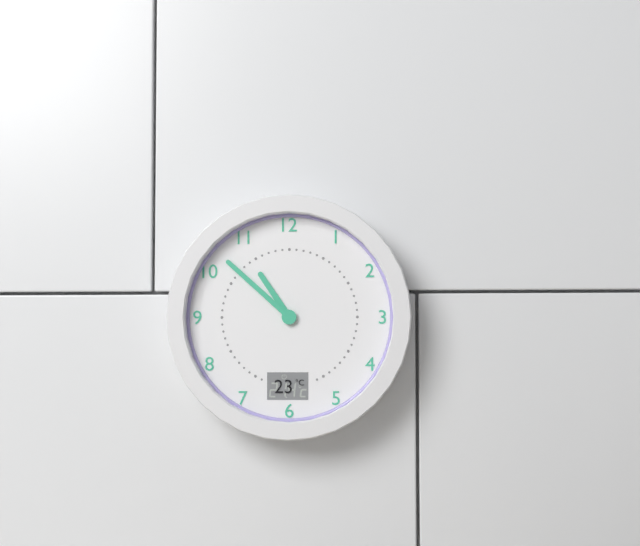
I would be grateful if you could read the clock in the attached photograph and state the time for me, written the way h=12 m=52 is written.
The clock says h=10 m=52
